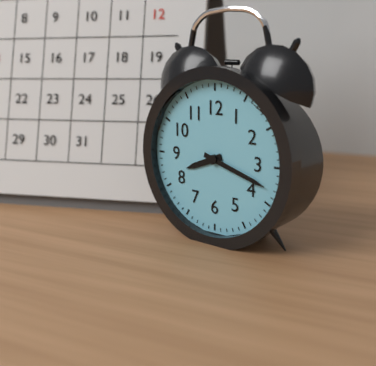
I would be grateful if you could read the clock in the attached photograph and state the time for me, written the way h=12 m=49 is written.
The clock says h=8 m=18
